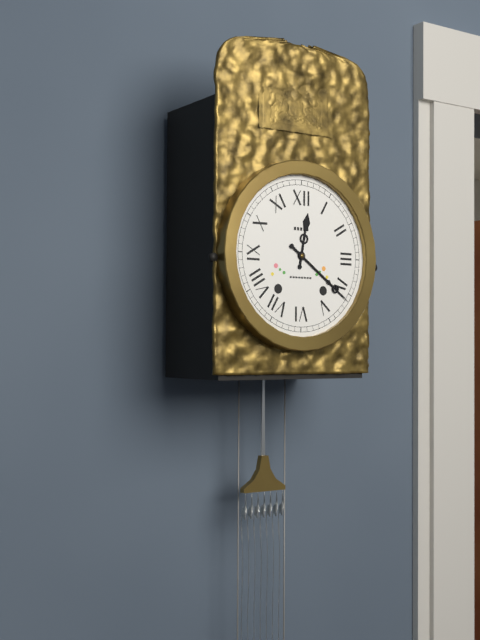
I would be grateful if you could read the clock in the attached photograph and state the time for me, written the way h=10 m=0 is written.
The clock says h=12 m=21
